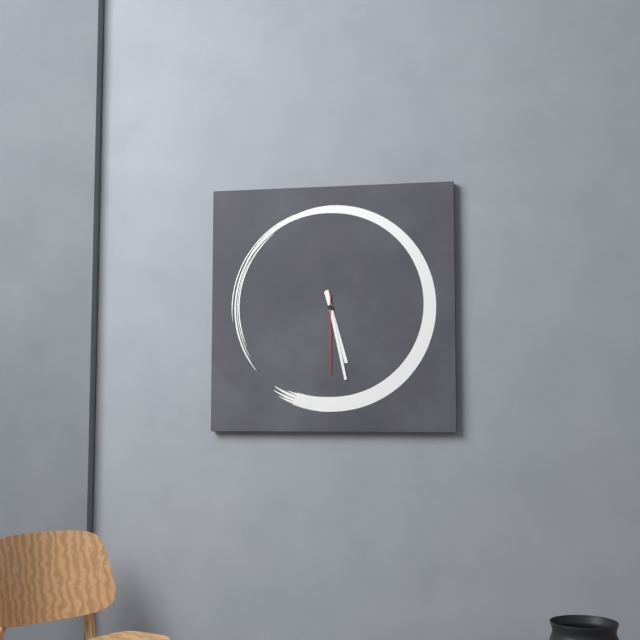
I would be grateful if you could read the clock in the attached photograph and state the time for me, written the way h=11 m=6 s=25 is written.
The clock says h=5 m=28 s=30
